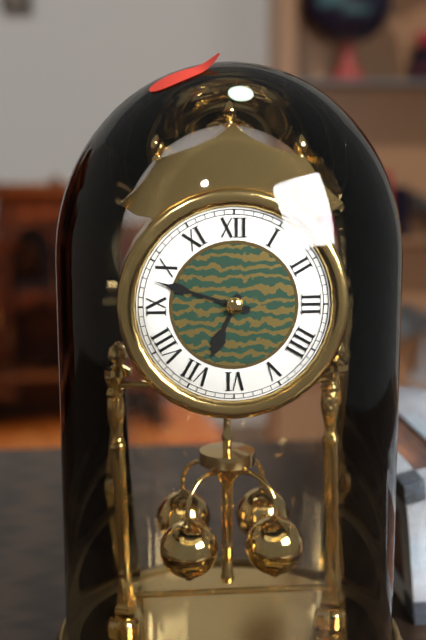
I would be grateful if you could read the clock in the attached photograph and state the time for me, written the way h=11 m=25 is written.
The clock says h=6 m=48
